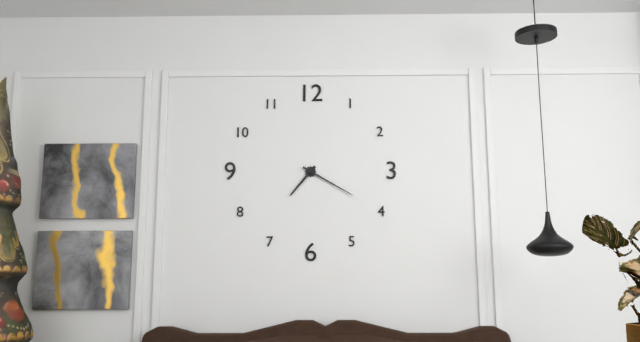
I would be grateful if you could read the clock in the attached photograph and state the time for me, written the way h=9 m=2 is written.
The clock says h=7 m=20
